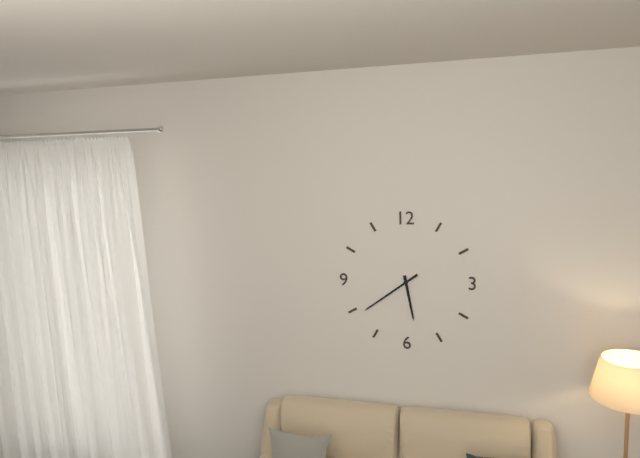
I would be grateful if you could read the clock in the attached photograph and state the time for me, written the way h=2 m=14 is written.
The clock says h=5 m=39
